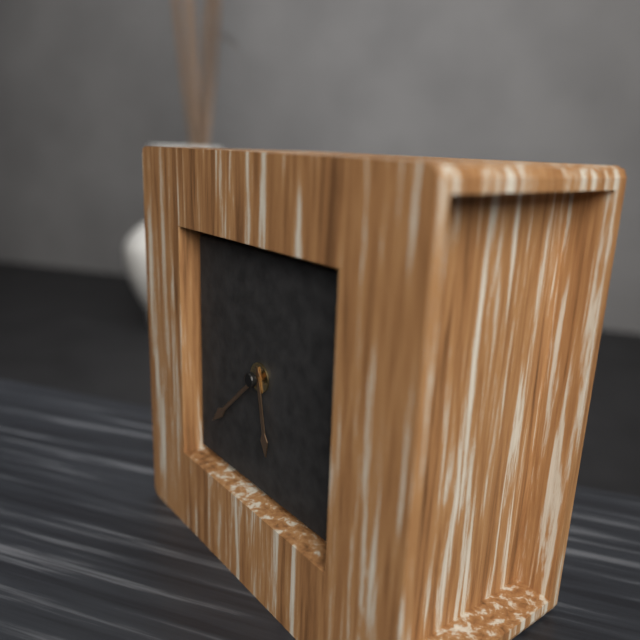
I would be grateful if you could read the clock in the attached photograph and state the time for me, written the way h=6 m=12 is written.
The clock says h=5 m=38
